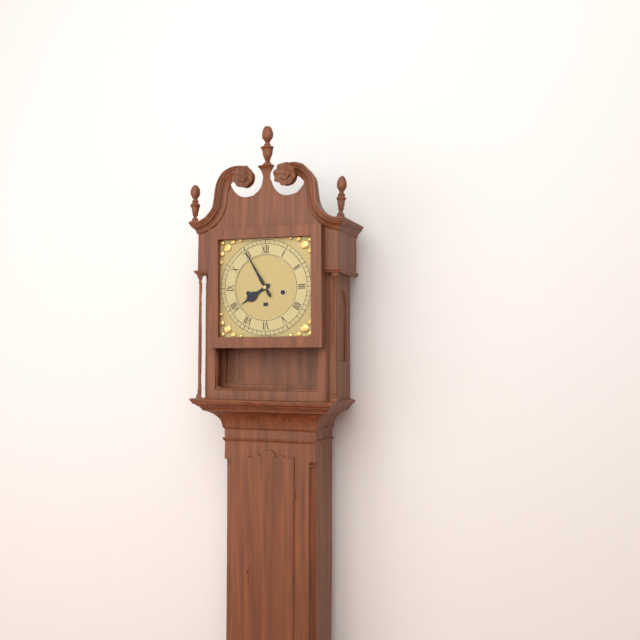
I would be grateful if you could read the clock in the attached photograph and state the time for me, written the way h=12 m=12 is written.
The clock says h=7 m=55
